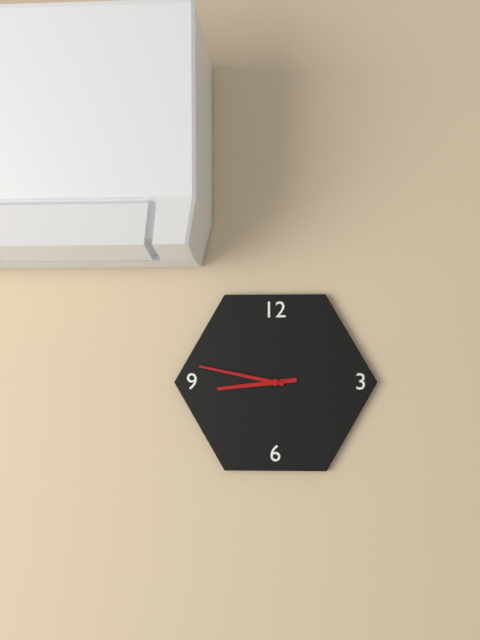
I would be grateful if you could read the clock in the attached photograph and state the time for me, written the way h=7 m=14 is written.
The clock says h=8 m=47
